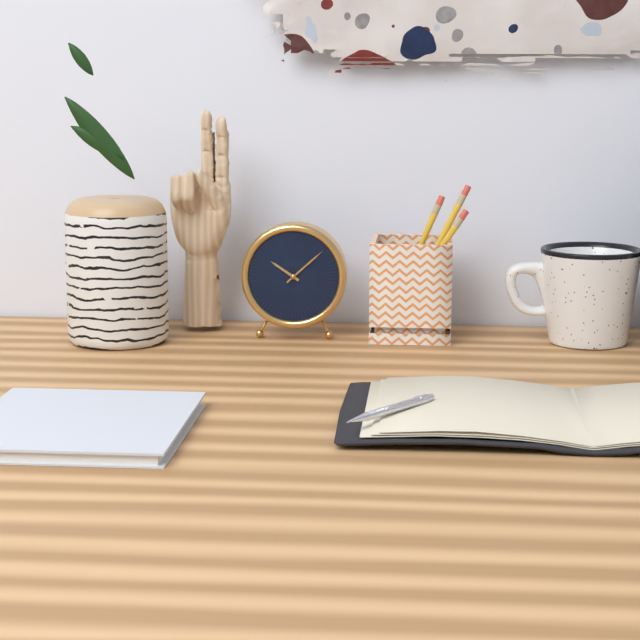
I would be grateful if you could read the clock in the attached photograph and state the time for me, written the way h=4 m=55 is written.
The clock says h=10 m=8
